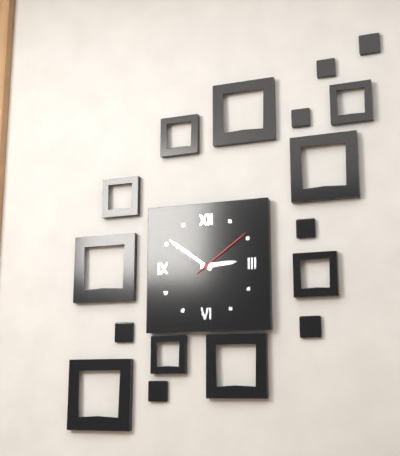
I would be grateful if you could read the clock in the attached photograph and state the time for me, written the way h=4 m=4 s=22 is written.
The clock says h=2 m=51 s=9
